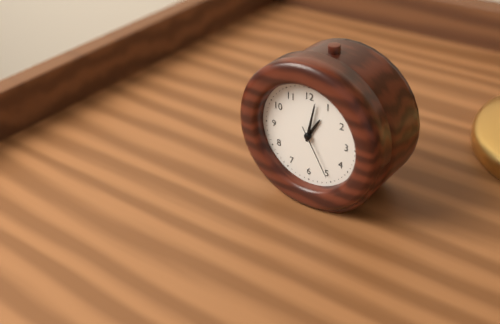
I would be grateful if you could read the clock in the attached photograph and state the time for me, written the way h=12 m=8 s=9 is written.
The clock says h=1 m=2 s=25
